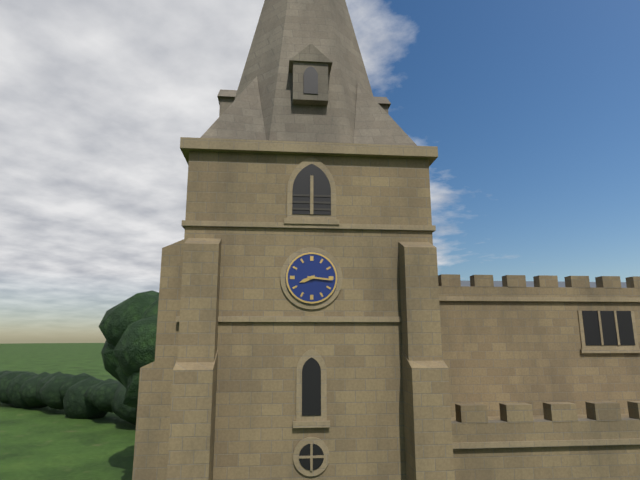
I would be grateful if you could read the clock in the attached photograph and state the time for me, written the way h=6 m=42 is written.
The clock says h=8 m=16
